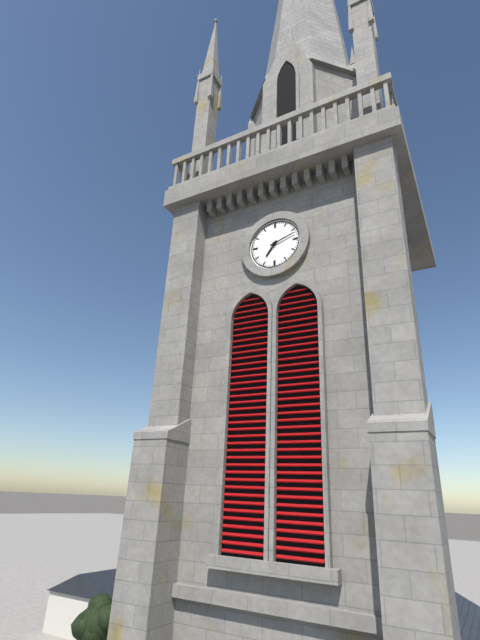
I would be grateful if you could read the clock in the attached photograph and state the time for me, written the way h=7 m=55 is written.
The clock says h=7 m=12
